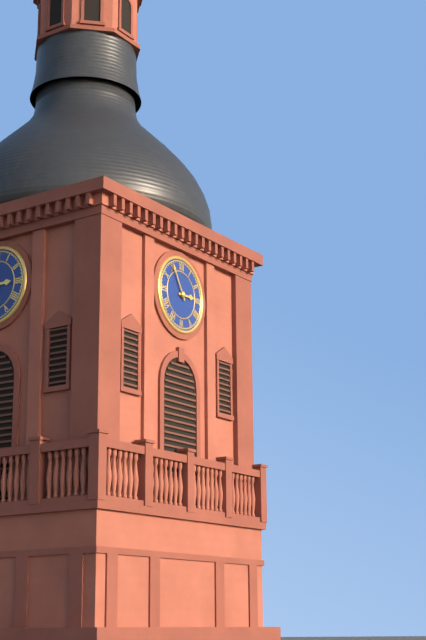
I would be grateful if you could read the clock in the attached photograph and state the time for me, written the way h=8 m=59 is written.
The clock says h=2 m=55
